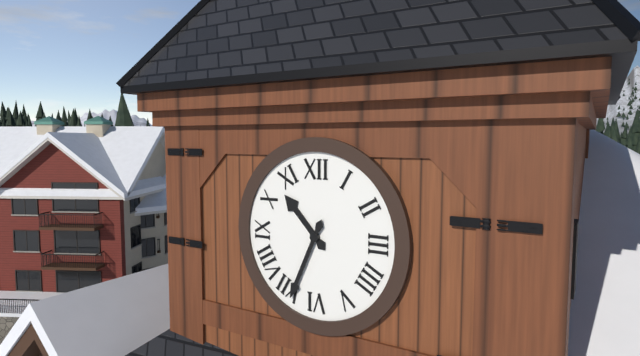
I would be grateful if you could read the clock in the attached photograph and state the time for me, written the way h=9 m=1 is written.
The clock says h=10 m=34
